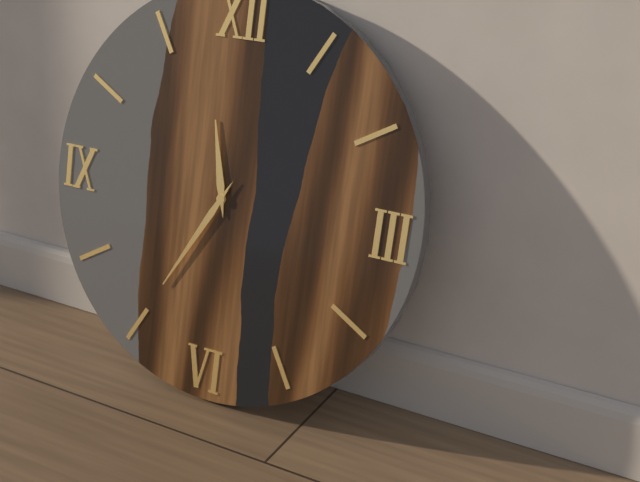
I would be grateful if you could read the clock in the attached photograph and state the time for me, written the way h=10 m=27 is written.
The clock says h=11 m=35
